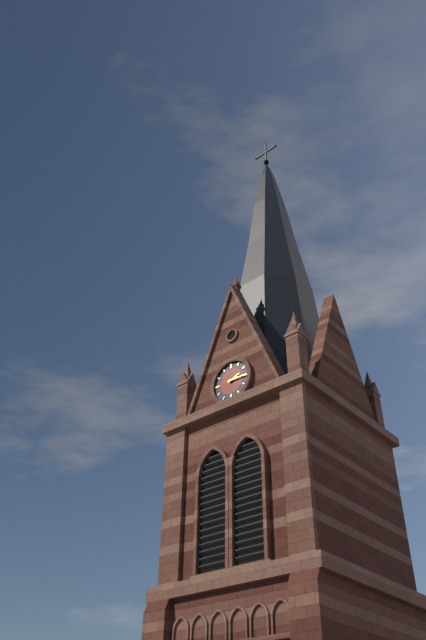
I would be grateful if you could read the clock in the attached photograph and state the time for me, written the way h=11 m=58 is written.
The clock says h=2 m=15
